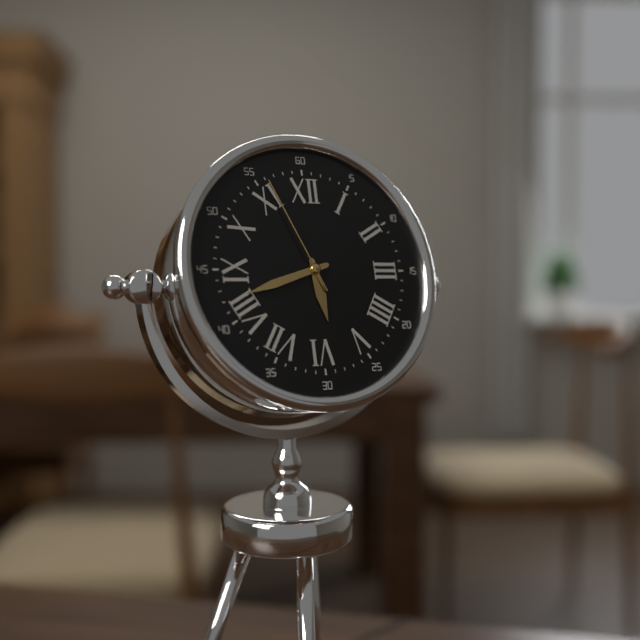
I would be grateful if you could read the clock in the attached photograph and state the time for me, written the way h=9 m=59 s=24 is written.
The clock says h=5 m=42 s=56
